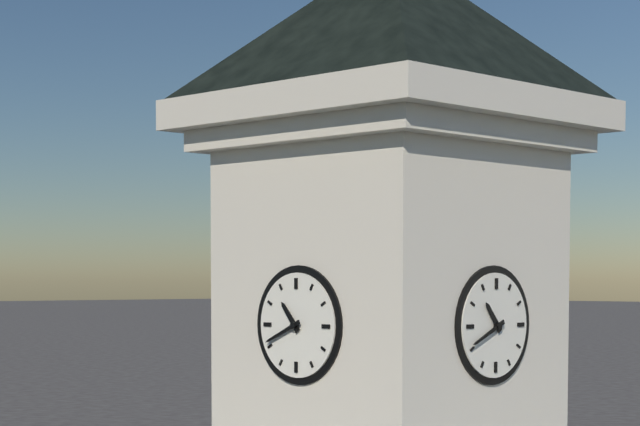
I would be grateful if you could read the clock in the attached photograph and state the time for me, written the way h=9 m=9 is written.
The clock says h=10 m=41
